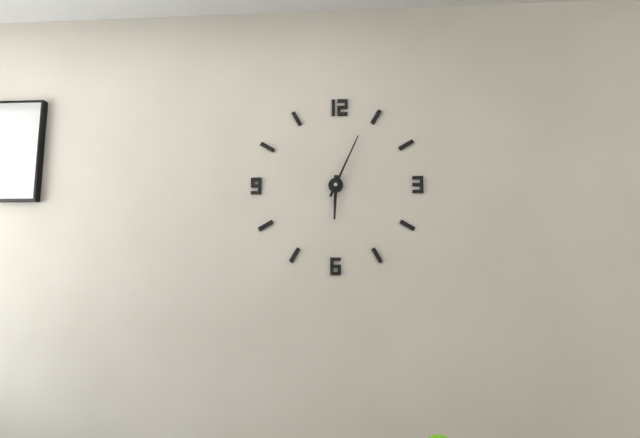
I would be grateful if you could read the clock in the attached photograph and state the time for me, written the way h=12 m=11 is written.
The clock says h=6 m=4
